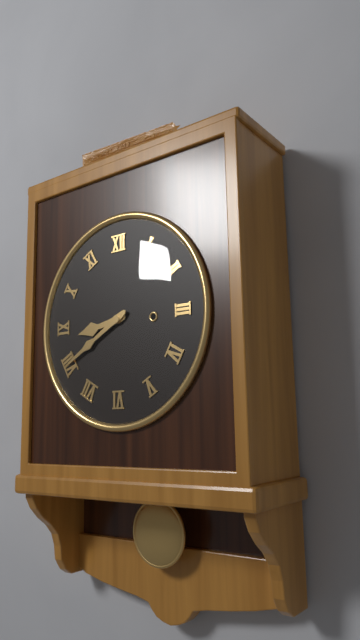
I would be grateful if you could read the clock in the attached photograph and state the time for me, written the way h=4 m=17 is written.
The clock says h=8 m=40
